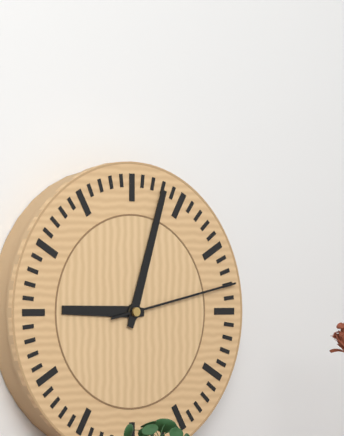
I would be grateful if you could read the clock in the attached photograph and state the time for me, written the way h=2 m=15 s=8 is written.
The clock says h=9 m=3 s=13
